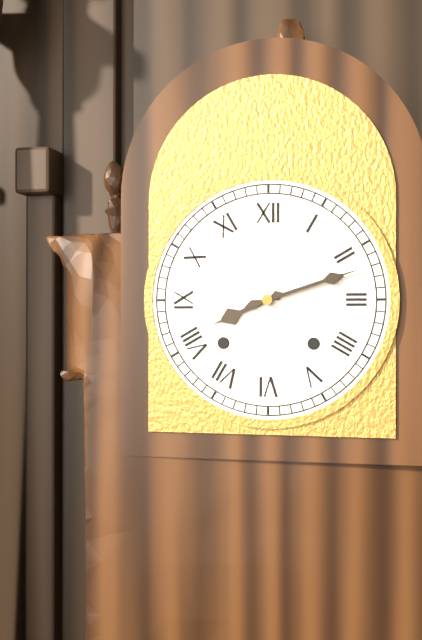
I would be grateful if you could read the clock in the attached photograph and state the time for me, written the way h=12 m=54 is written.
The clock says h=8 m=12
